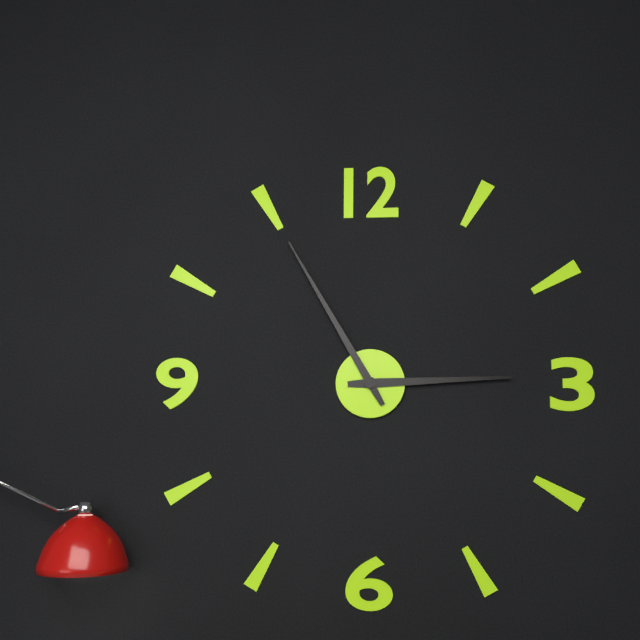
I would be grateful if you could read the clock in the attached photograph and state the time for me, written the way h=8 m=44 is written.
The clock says h=2 m=55
